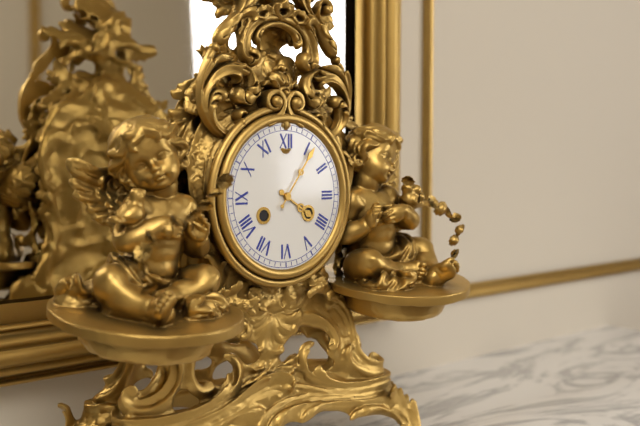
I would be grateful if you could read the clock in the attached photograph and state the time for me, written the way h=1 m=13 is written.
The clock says h=4 m=6
